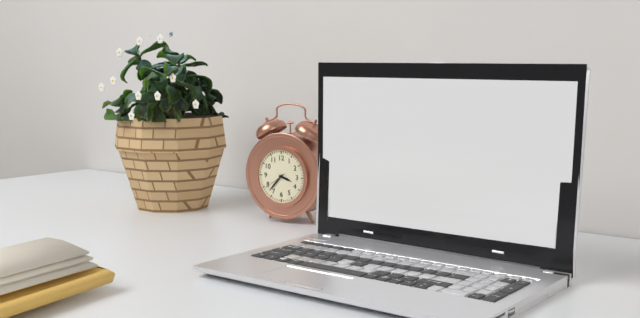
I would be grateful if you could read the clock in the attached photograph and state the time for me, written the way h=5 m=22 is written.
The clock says h=3 m=37
